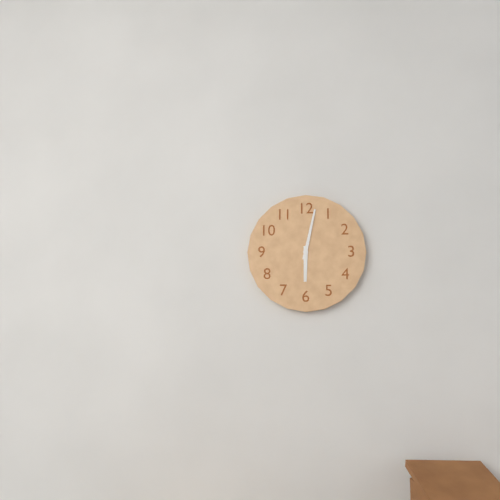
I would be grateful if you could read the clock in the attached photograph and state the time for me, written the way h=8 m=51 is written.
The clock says h=6 m=2
